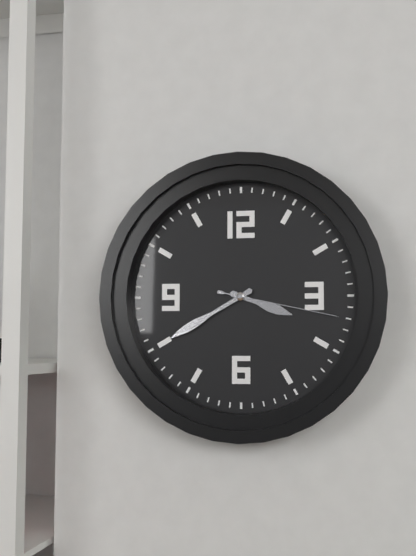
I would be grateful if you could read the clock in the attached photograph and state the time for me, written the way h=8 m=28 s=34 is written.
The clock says h=3 m=40 s=17
